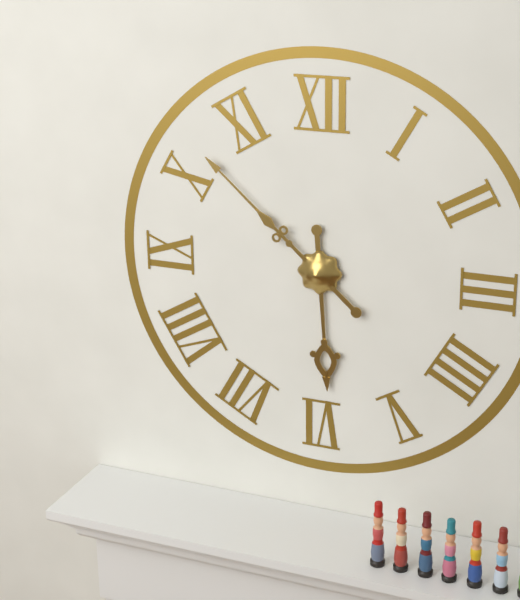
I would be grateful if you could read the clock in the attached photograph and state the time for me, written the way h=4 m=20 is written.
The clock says h=5 m=52
